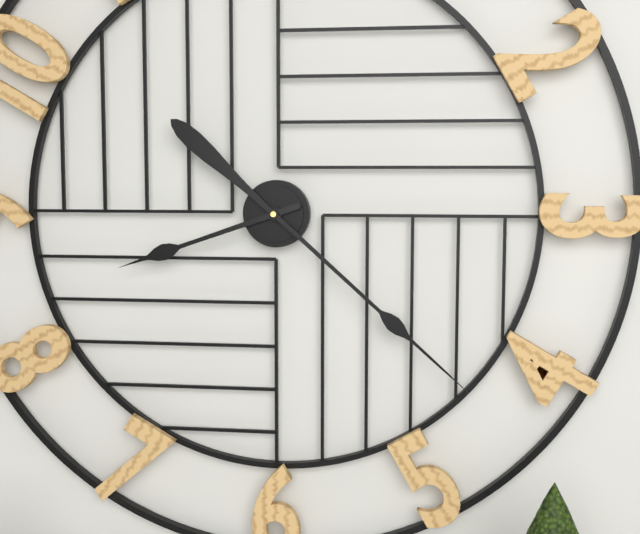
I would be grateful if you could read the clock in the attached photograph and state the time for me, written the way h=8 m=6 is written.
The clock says h=8 m=22
